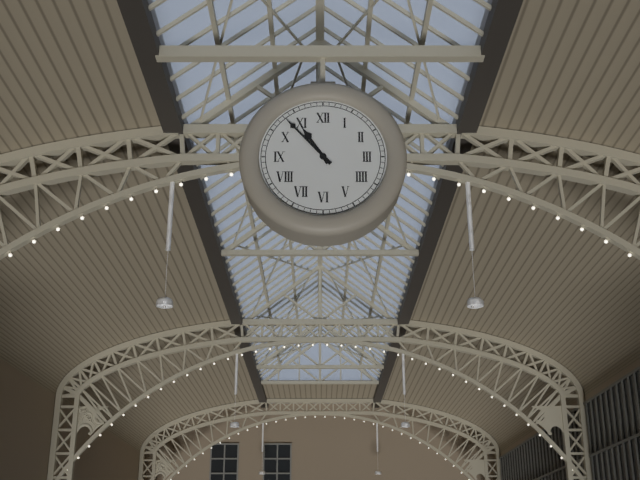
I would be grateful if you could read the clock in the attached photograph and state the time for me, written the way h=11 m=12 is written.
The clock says h=10 m=53
